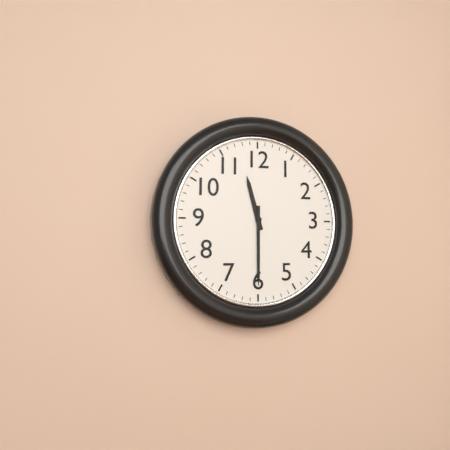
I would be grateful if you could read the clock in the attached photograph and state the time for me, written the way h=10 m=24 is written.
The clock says h=11 m=30
